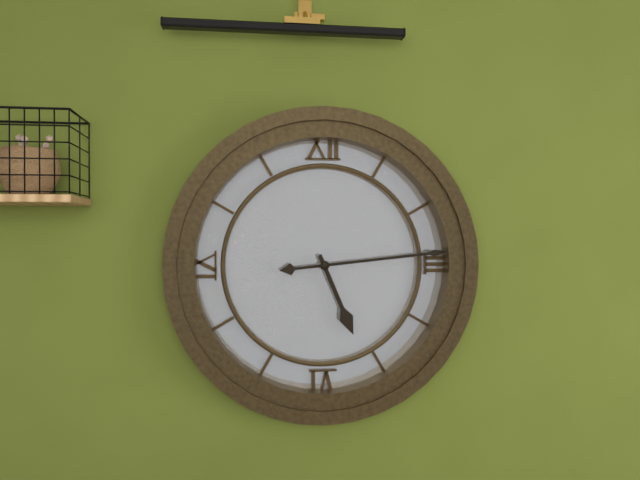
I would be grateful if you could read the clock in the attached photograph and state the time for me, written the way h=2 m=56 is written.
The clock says h=5 m=14
